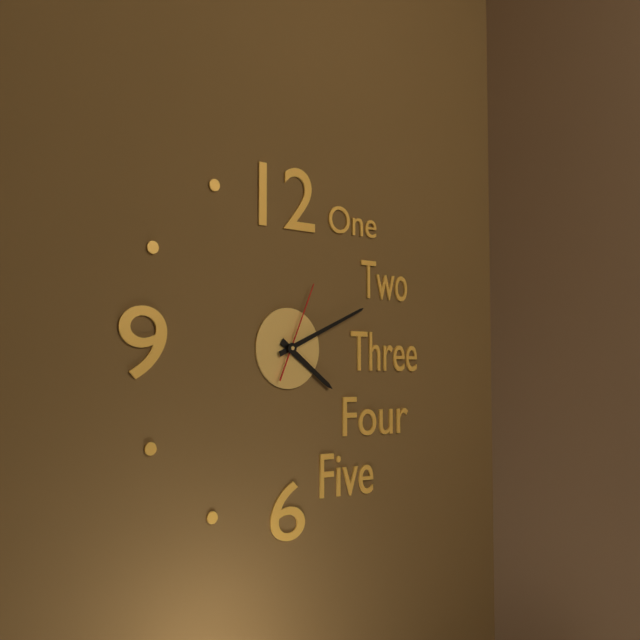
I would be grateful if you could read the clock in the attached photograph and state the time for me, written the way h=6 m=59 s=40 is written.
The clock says h=4 m=11 s=4
